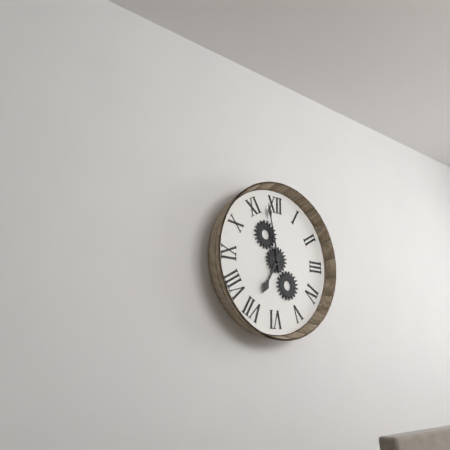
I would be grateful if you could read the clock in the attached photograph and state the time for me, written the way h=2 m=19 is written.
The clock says h=6 m=58
